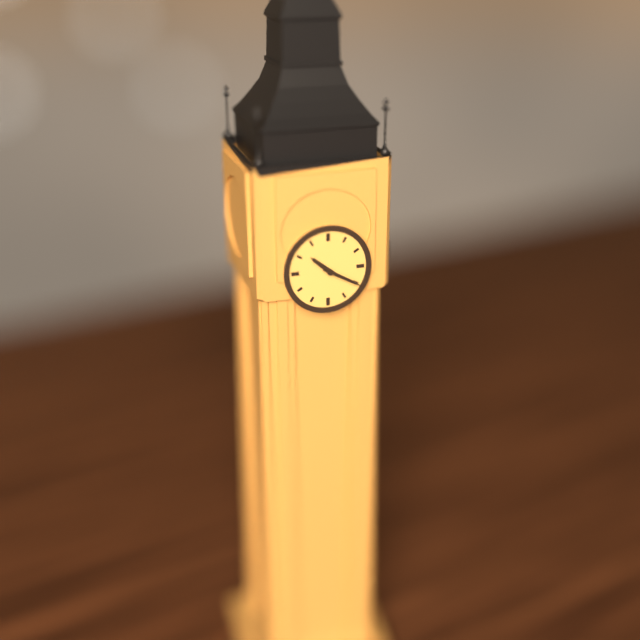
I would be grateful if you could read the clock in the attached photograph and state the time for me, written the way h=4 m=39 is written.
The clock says h=10 m=20
